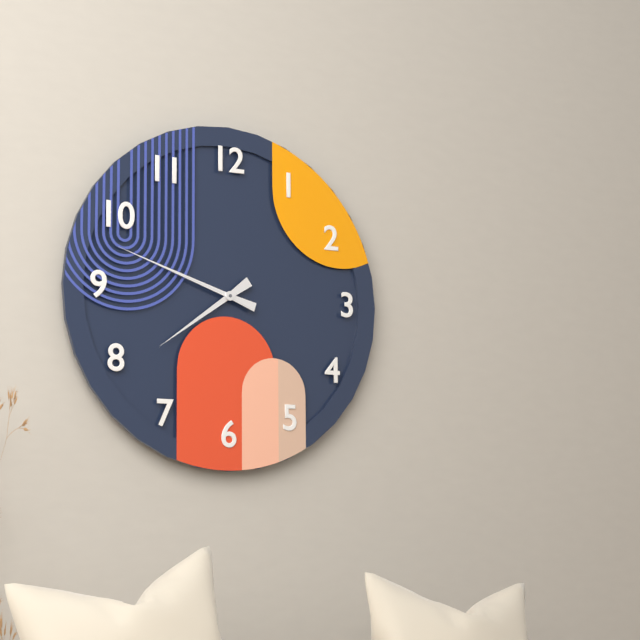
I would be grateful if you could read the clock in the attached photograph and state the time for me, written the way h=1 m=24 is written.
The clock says h=7 m=48
